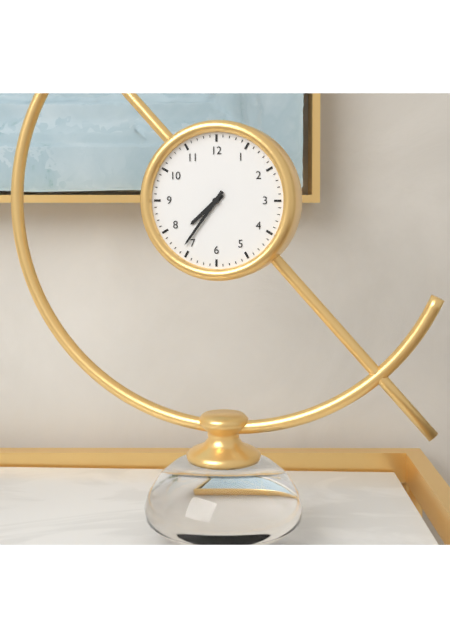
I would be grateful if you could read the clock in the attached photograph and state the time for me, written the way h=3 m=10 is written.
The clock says h=7 m=36
